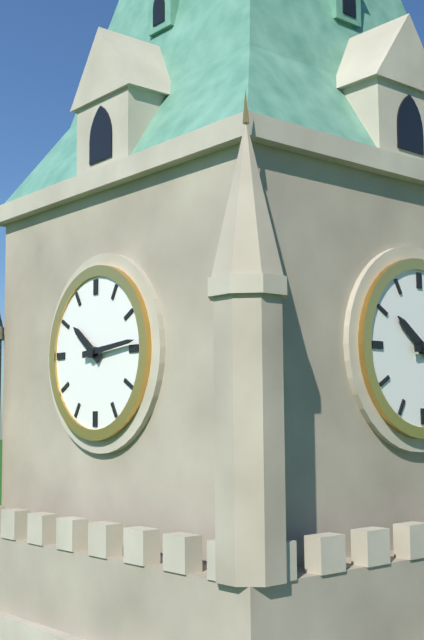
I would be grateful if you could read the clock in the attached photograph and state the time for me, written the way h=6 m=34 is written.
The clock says h=10 m=14
